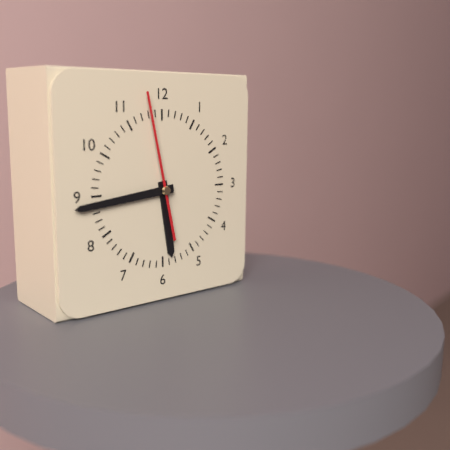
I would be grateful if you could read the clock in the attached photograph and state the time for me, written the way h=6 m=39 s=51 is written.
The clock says h=5 m=44 s=58
